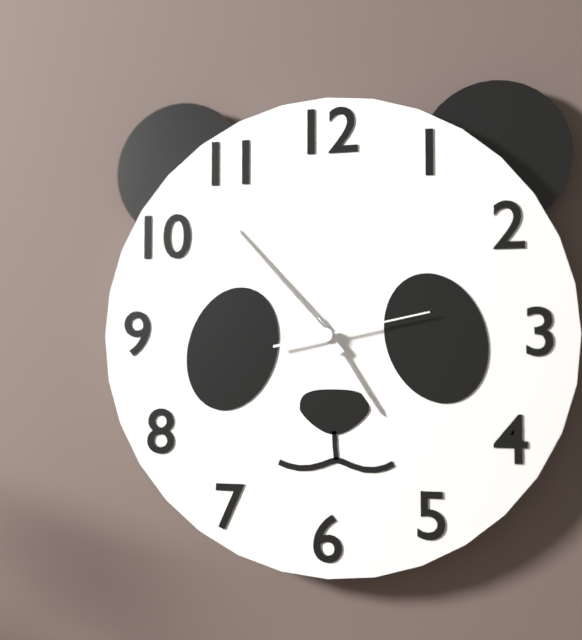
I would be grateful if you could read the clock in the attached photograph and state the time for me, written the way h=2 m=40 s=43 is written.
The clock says h=4 m=53 s=13
